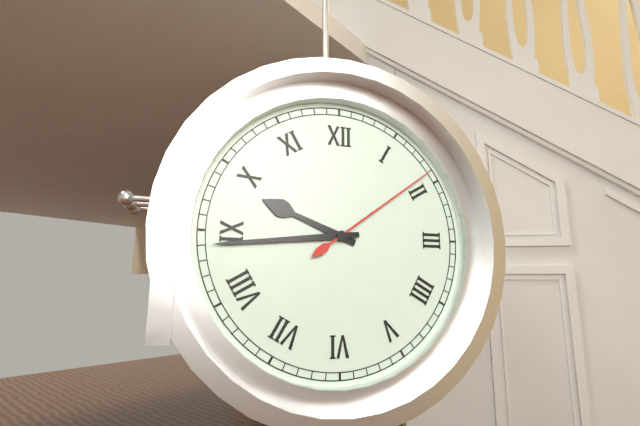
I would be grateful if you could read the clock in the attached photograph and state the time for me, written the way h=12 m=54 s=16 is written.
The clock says h=9 m=44 s=9
